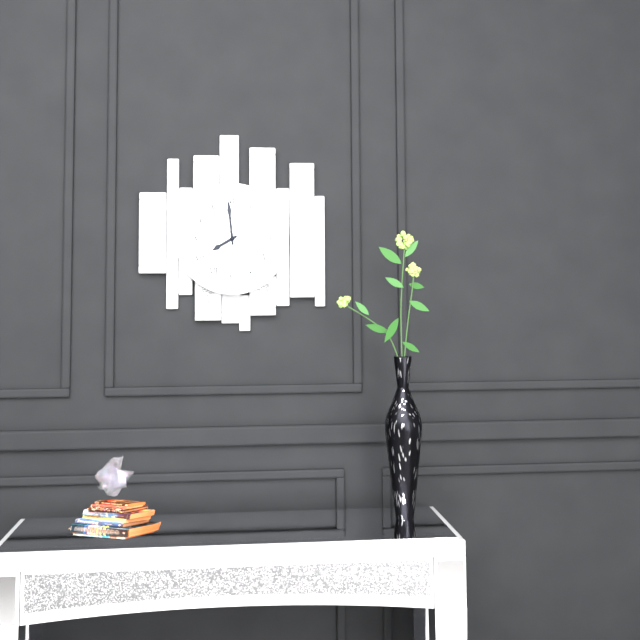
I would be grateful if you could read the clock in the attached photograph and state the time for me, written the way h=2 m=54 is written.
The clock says h=7 m=59
